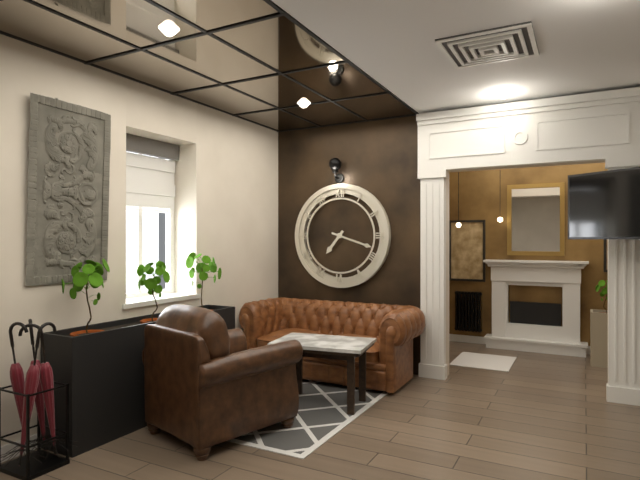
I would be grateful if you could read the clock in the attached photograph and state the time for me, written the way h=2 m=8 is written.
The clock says h=7 m=18
